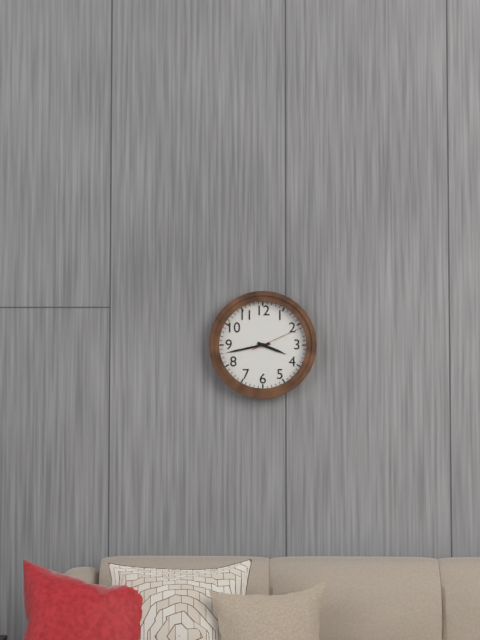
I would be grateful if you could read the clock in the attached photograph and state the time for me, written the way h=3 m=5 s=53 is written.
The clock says h=3 m=43 s=11
